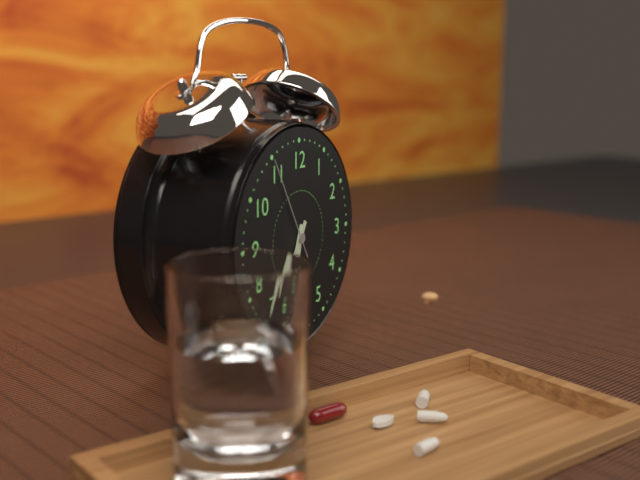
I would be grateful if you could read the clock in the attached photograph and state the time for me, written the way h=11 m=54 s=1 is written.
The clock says h=6 m=35 s=55
